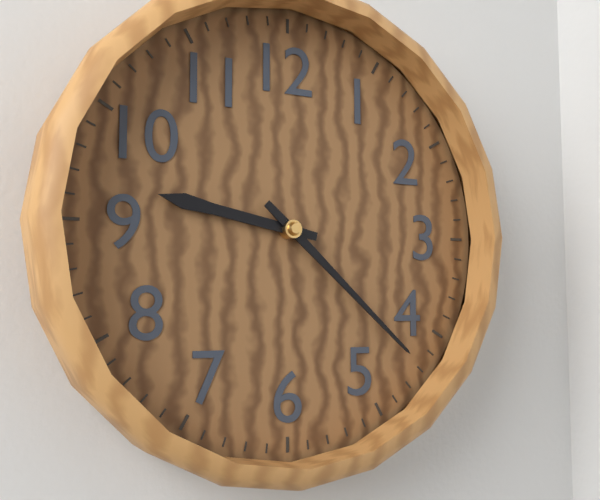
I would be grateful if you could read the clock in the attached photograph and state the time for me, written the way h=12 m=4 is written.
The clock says h=9 m=22
